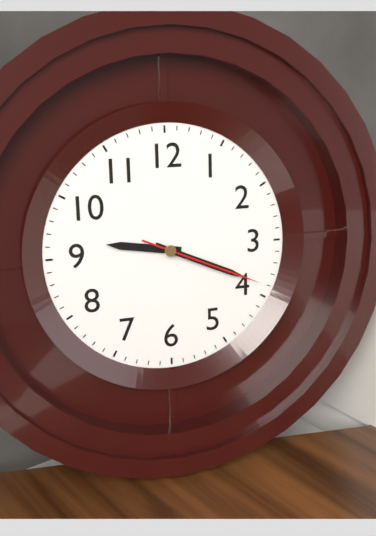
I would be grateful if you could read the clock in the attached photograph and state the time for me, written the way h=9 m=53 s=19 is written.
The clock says h=9 m=19 s=19
